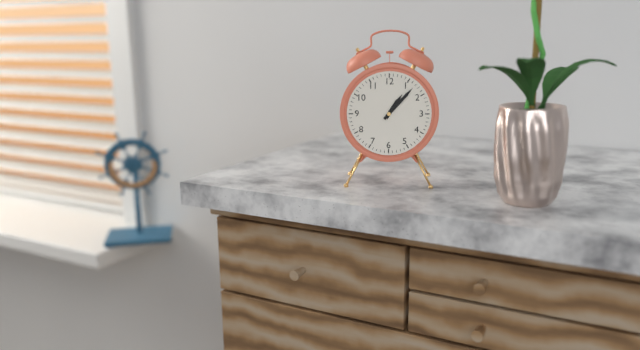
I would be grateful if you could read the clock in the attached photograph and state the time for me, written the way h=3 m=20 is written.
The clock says h=1 m=7
